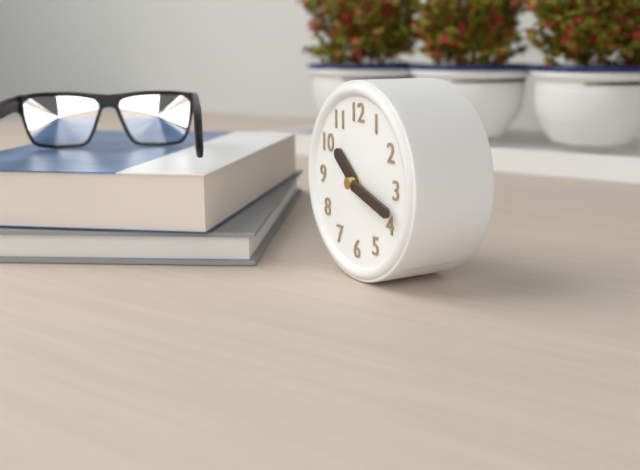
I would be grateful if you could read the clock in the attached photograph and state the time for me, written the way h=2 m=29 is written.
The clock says h=10 m=18
